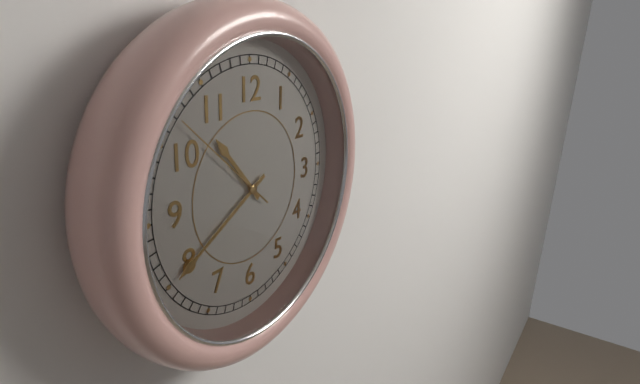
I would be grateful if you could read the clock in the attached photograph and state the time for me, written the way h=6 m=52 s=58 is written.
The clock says h=10 m=40 s=52
